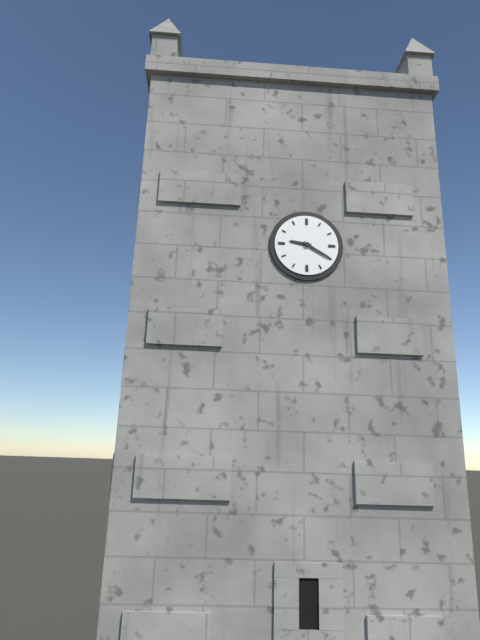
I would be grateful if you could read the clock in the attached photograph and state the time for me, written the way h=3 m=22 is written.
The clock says h=9 m=20
